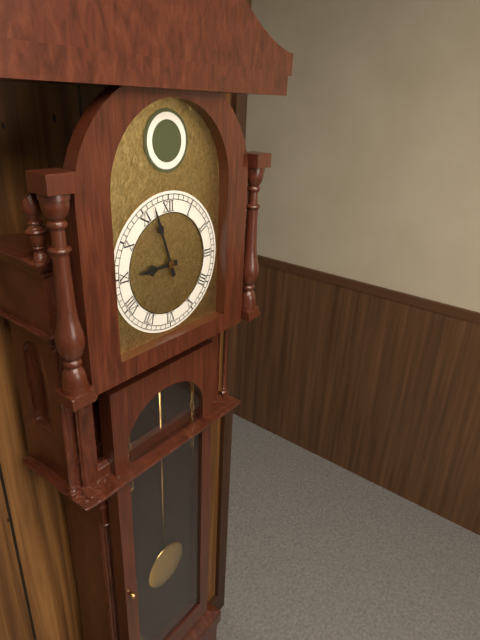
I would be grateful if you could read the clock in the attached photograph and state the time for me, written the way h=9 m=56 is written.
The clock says h=8 m=57
